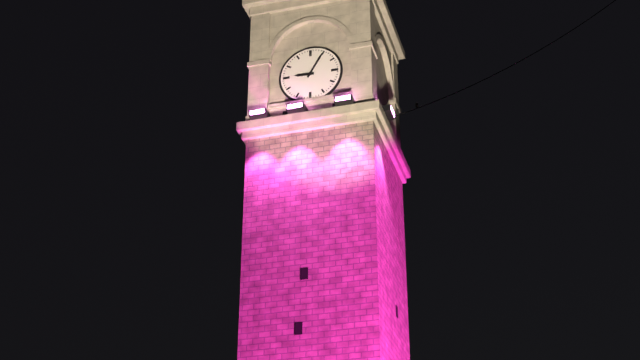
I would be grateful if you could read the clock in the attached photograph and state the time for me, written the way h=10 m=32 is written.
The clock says h=9 m=5
